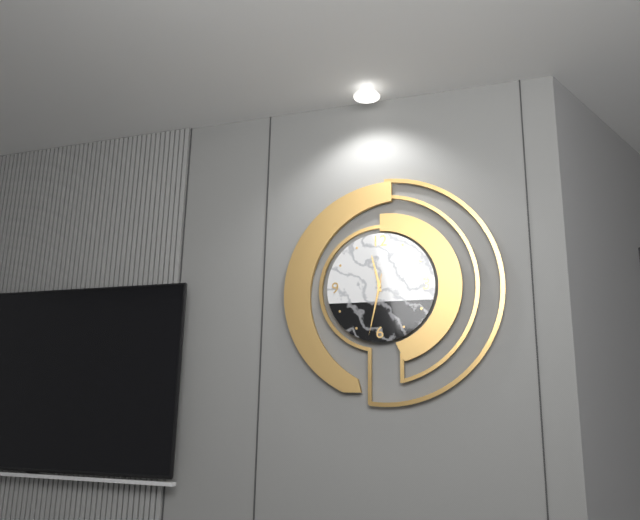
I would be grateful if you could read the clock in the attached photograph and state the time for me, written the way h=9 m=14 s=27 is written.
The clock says h=11 m=32 s=32
